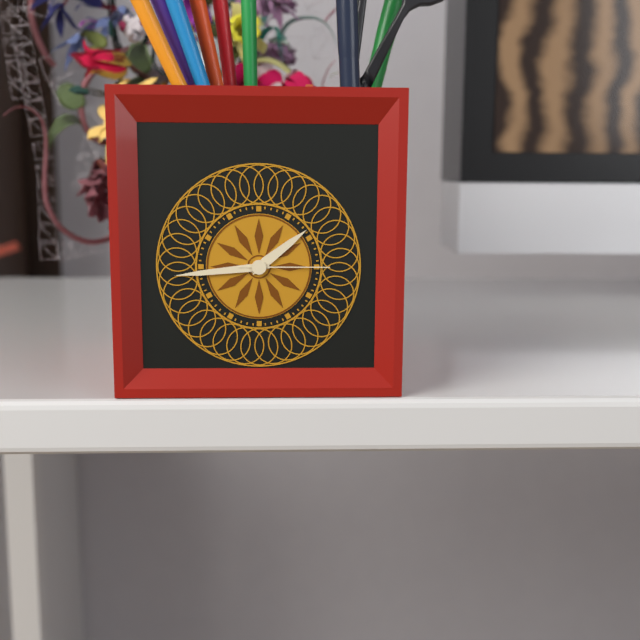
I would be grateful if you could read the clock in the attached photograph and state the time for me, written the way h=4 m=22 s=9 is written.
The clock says h=1 m=44 s=15
